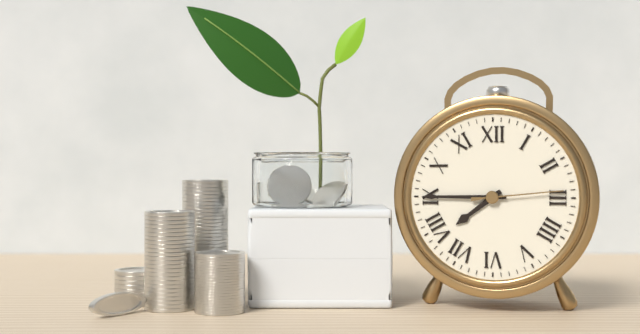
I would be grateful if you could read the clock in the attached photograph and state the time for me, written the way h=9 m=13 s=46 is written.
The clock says h=7 m=45 s=14
